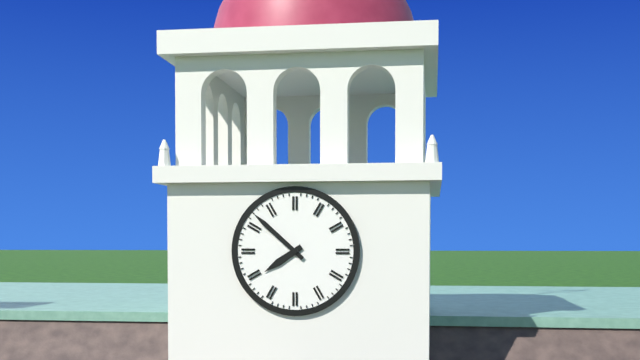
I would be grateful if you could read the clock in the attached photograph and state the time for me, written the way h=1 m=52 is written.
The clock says h=7 m=52
